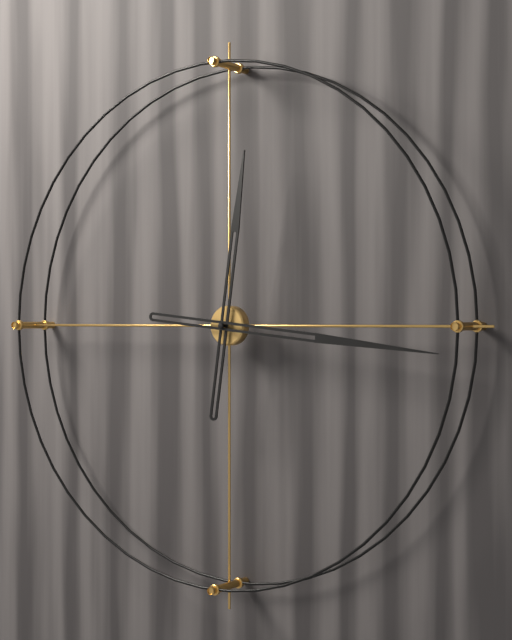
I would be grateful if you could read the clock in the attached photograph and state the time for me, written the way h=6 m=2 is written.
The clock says h=12 m=16
